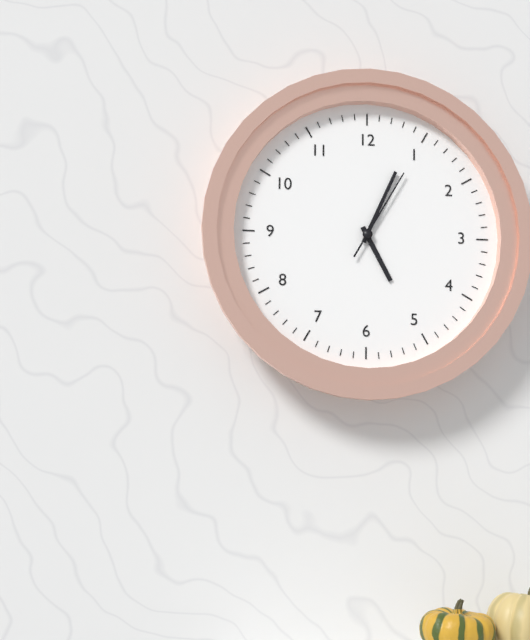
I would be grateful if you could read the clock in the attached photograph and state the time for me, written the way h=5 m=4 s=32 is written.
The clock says h=5 m=4 s=5
